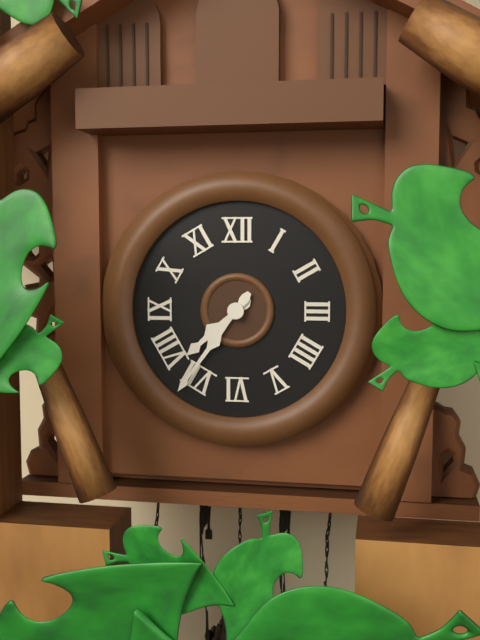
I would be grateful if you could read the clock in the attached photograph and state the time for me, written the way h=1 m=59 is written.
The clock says h=7 m=36
